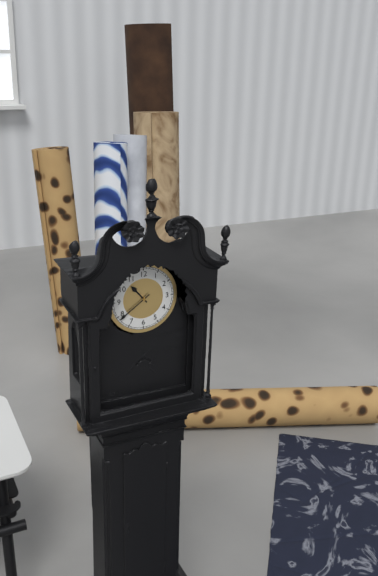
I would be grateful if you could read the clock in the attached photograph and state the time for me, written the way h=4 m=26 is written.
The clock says h=10 m=39
